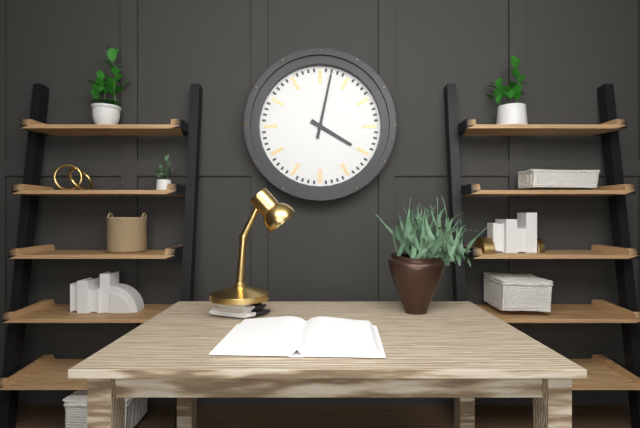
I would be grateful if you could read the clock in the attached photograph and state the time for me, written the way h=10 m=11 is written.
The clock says h=4 m=2
